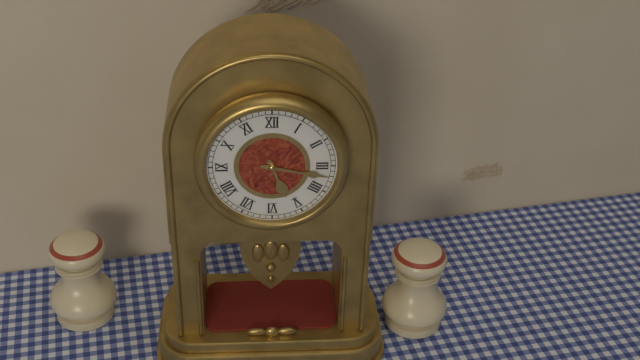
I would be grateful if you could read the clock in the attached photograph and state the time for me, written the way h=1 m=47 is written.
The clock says h=5 m=17
